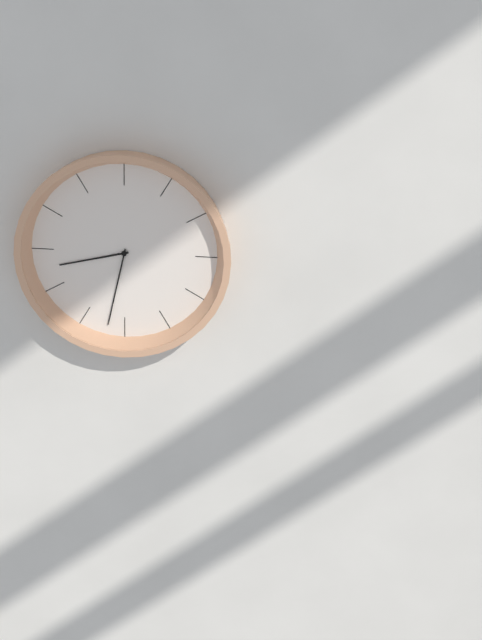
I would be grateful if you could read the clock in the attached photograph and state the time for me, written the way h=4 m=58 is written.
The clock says h=8 m=32
